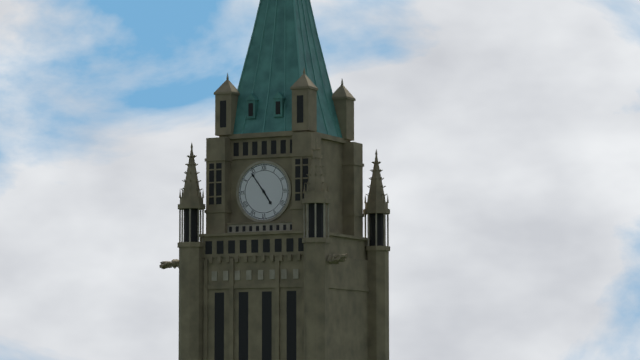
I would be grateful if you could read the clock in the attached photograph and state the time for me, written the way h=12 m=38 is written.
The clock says h=4 m=54
